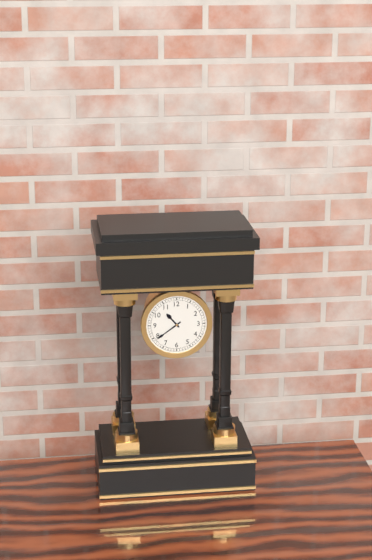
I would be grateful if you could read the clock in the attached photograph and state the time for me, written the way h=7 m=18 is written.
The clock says h=10 m=39
